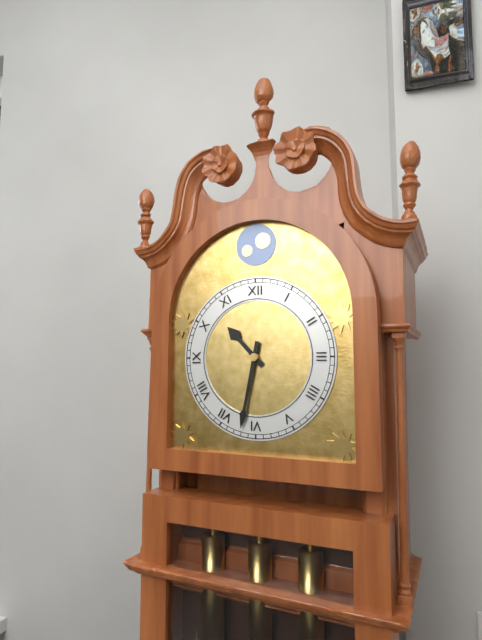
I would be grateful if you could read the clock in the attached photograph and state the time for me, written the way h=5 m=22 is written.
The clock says h=10 m=32
